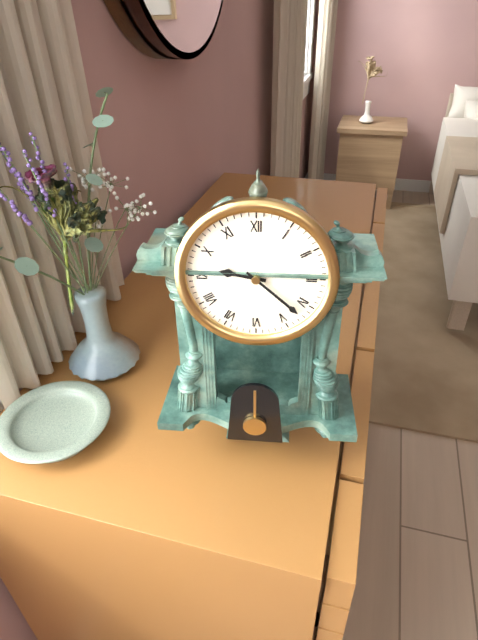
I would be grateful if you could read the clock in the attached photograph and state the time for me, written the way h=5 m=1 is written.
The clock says h=9 m=22
